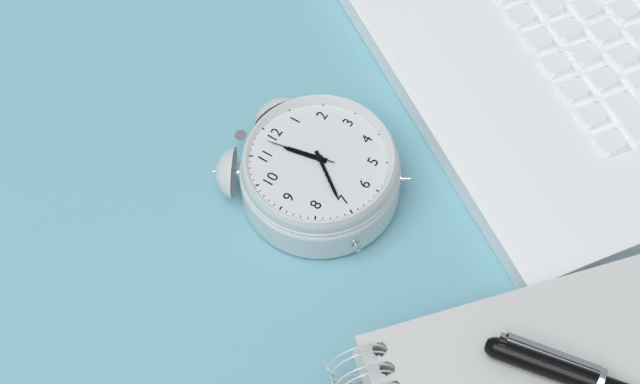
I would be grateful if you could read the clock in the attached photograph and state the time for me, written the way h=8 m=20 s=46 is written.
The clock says h=11 m=36 s=58
